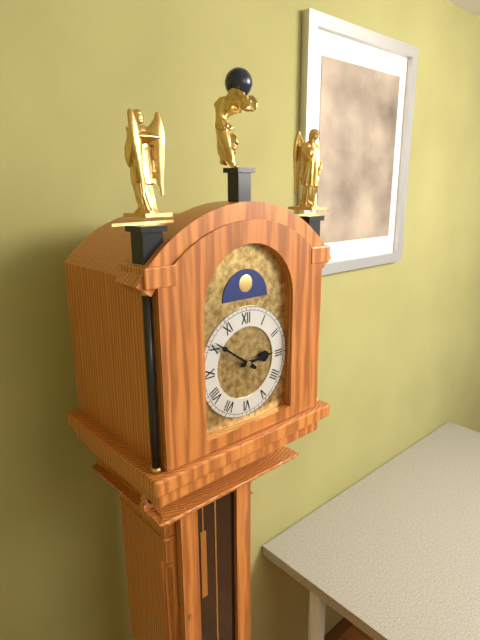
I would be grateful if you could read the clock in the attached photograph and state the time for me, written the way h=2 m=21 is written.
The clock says h=2 m=51
